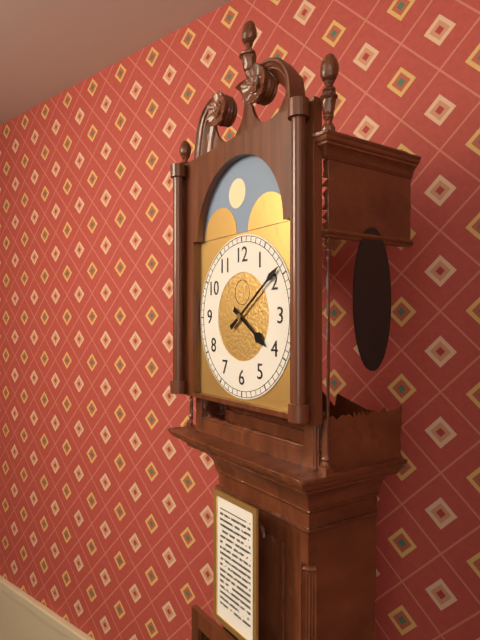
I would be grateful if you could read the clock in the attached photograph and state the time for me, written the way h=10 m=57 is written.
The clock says h=4 m=9
